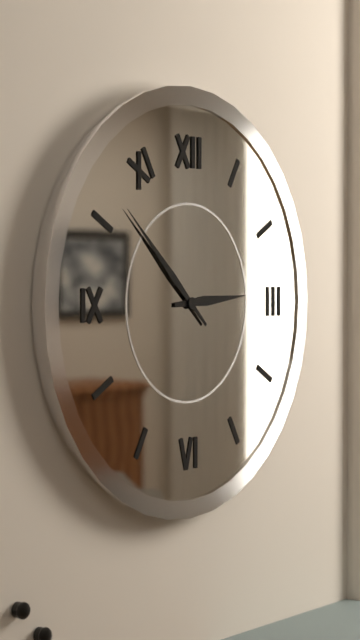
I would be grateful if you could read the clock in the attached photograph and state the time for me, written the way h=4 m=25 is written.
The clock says h=2 m=52
